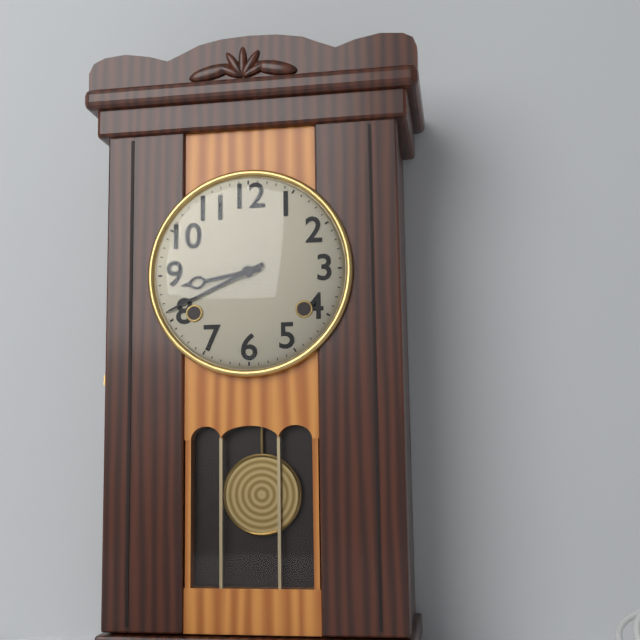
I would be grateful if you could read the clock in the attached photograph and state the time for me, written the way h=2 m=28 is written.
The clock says h=8 m=41
